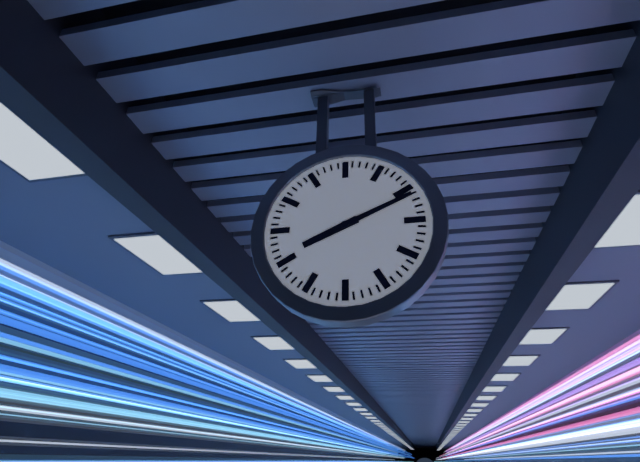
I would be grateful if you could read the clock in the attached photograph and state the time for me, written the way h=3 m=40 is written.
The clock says h=8 m=11
